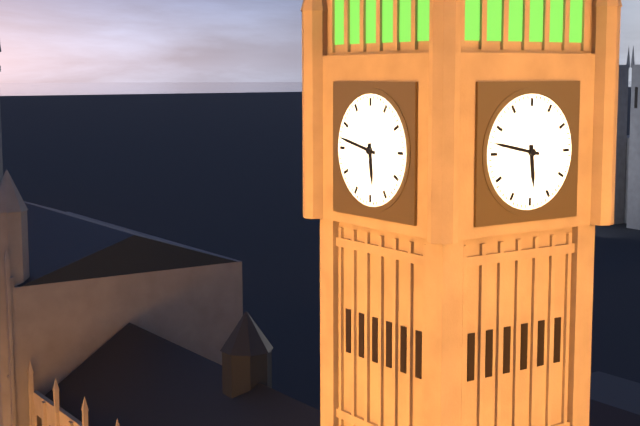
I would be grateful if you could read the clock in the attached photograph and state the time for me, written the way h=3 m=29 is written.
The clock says h=5 m=47
